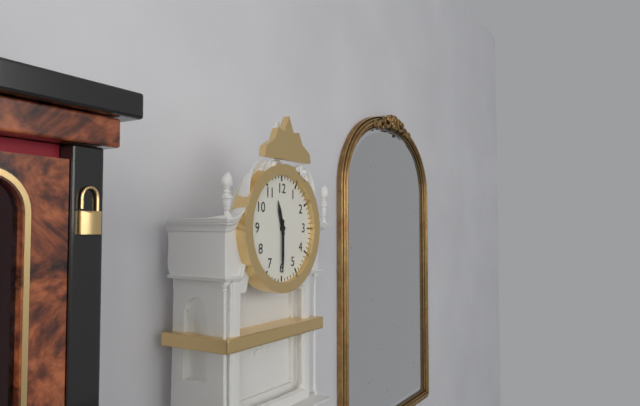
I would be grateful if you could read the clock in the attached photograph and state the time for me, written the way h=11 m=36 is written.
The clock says h=11 m=30
